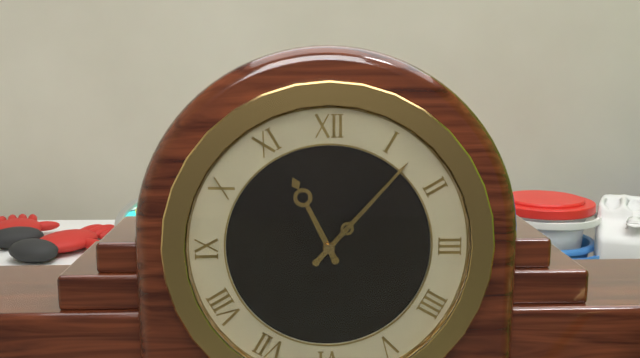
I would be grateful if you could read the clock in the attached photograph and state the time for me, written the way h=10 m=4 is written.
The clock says h=11 m=7
